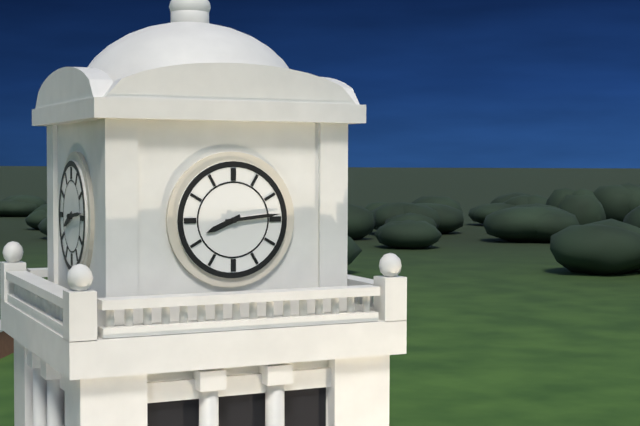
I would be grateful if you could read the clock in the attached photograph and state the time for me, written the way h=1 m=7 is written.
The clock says h=8 m=14
